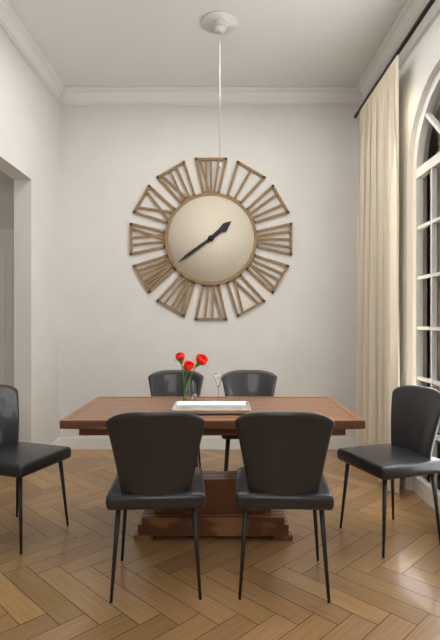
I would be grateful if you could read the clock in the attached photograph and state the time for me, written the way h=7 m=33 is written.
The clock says h=1 m=39
